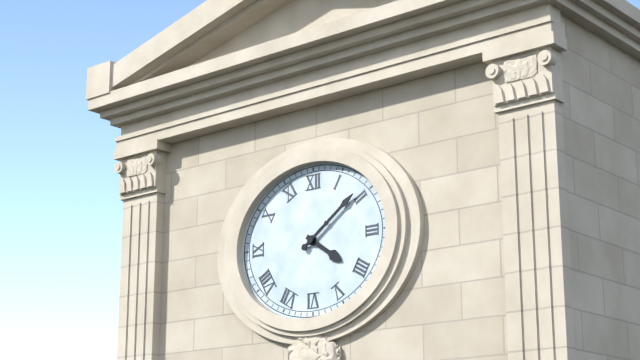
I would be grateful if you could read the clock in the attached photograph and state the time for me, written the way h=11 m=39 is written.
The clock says h=4 m=9
